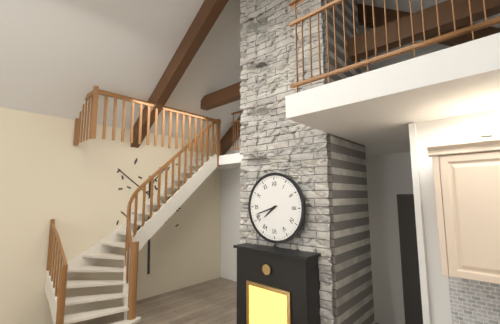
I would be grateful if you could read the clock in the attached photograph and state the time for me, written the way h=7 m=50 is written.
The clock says h=7 m=42
